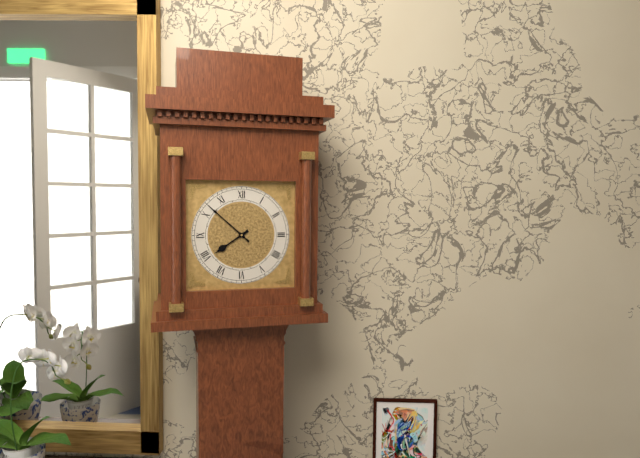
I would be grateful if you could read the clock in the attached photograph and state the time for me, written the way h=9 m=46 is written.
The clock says h=7 m=52
